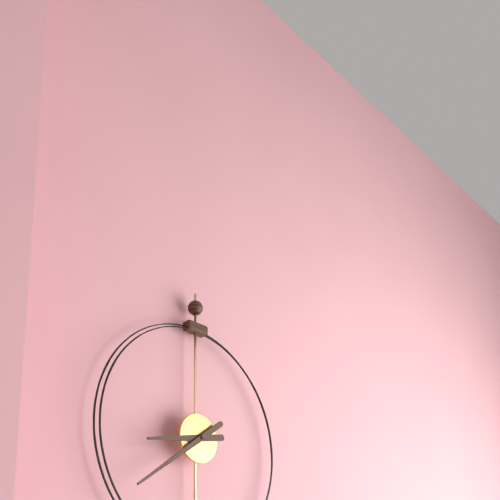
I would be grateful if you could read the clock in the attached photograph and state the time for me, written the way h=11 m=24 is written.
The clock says h=8 m=39
